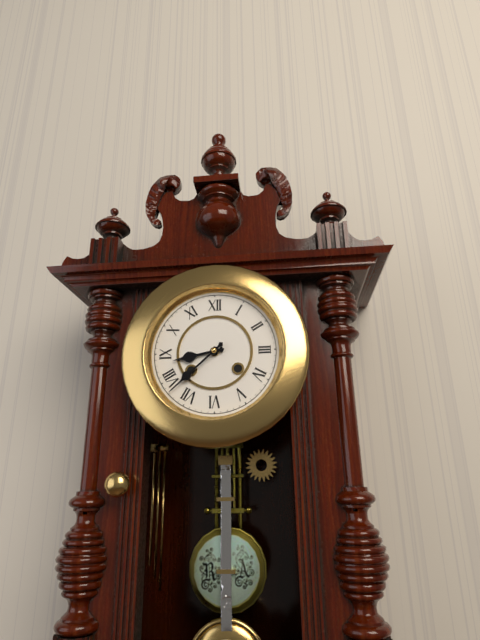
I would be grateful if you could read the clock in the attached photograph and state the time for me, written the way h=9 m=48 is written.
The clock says h=8 m=38
